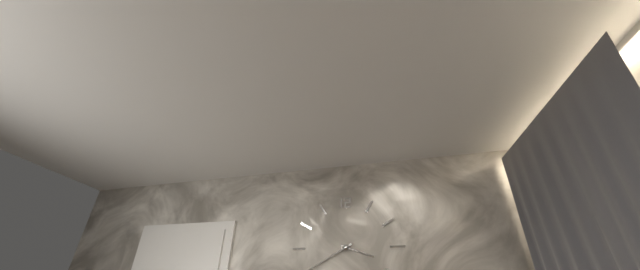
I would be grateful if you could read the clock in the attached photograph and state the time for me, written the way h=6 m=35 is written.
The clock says h=3 m=40
